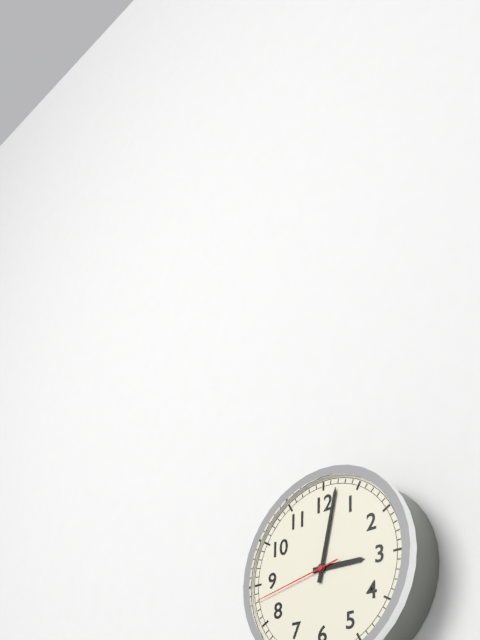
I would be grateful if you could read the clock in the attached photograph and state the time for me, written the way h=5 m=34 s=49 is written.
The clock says h=3 m=2 s=43
